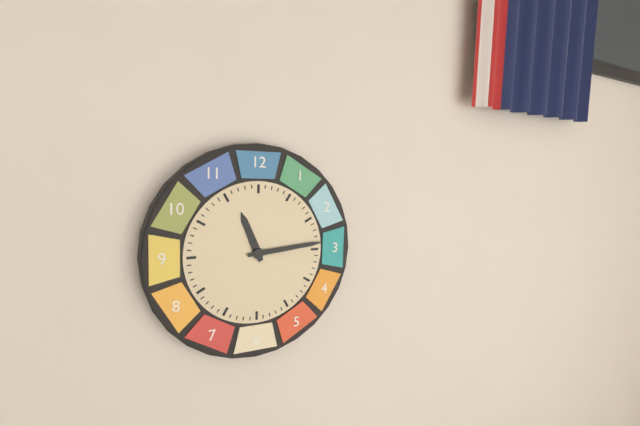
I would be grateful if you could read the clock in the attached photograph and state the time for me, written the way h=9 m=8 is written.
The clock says h=11 m=14
